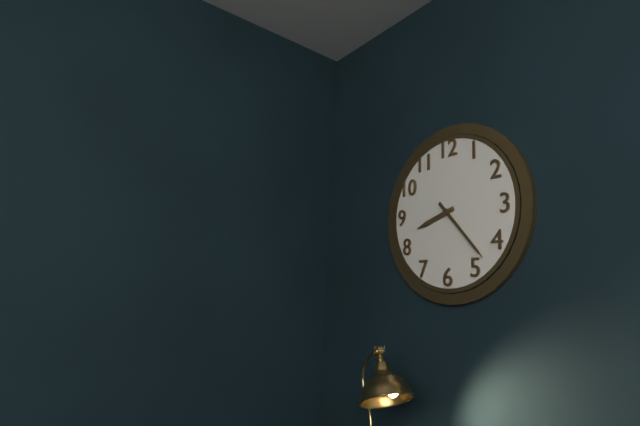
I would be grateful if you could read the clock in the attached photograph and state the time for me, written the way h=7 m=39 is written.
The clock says h=8 m=23
